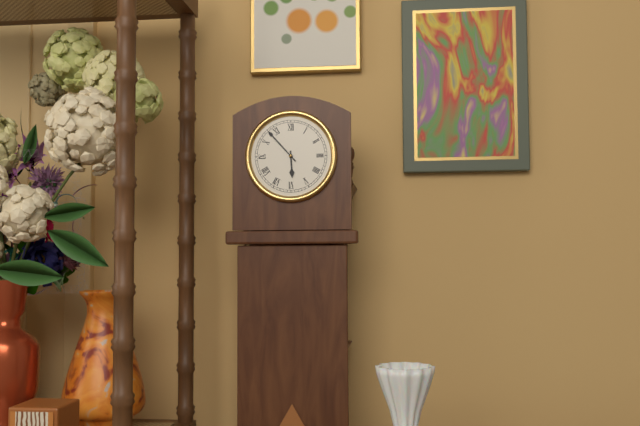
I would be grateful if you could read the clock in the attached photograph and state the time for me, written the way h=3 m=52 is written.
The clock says h=5 m=53
